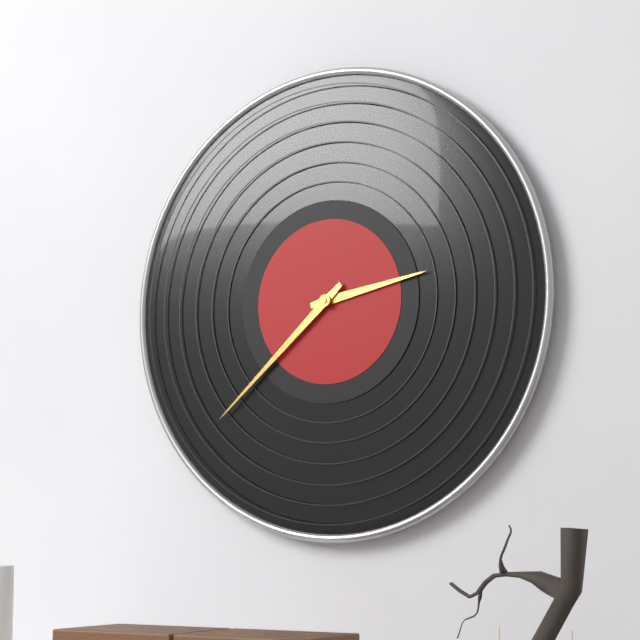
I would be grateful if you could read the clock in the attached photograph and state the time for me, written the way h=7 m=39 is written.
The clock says h=2 m=38
